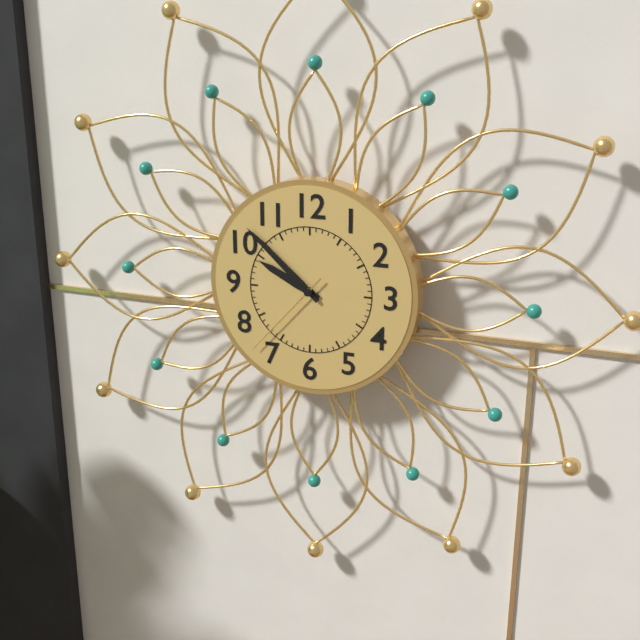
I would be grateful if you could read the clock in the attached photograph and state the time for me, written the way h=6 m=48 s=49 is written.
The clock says h=9 m=52 s=37
